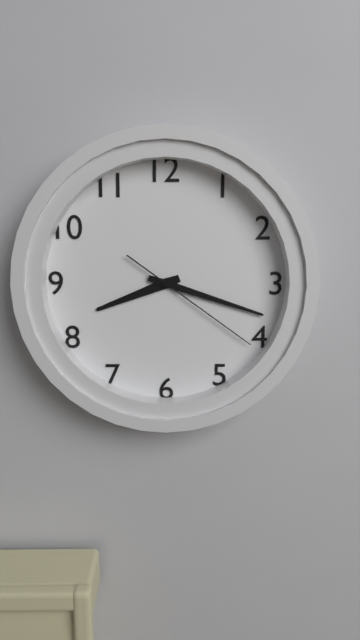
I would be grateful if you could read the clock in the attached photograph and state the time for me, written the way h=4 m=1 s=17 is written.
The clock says h=8 m=18 s=21
